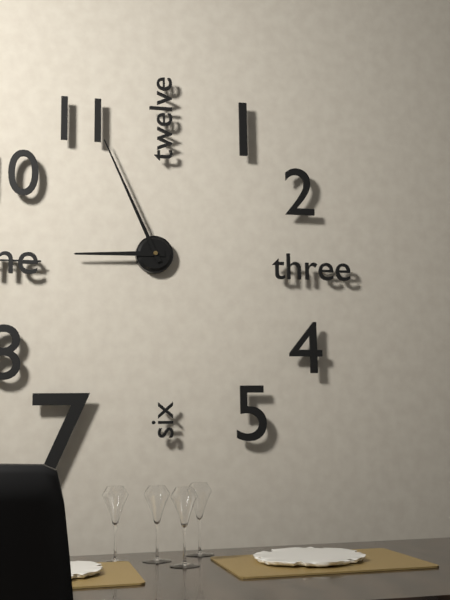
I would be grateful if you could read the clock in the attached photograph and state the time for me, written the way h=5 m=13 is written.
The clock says h=8 m=56
